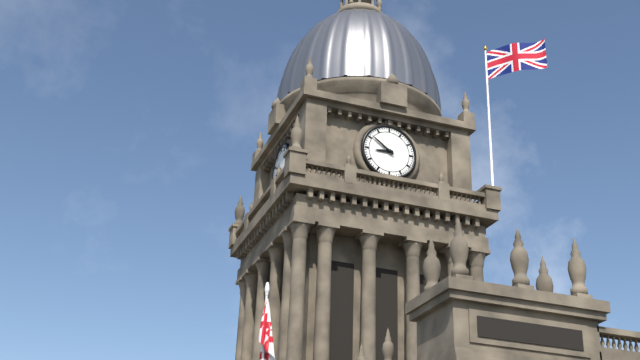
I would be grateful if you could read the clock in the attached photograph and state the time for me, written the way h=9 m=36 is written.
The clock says h=8 m=51
